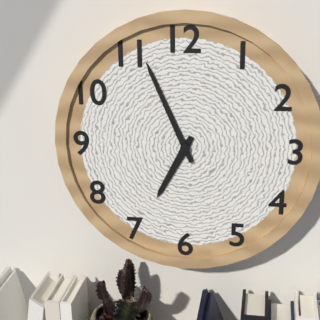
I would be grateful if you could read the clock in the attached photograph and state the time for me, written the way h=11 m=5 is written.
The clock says h=6 m=56
